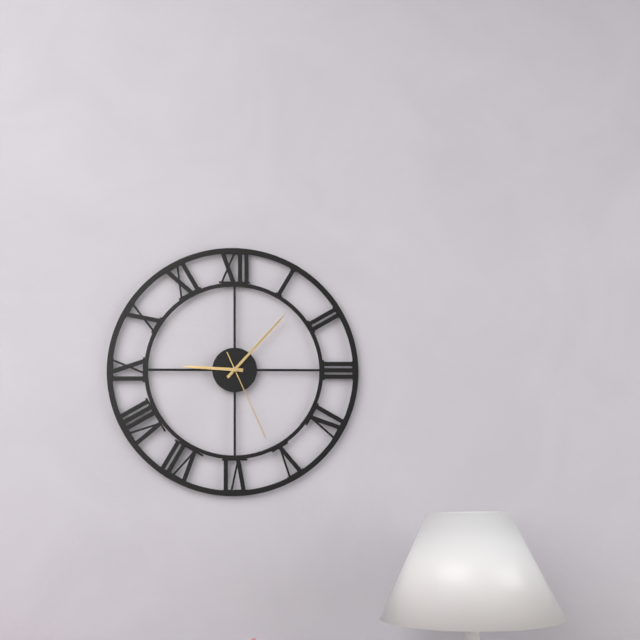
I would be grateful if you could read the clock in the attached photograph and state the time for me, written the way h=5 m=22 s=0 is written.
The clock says h=9 m=7 s=26
